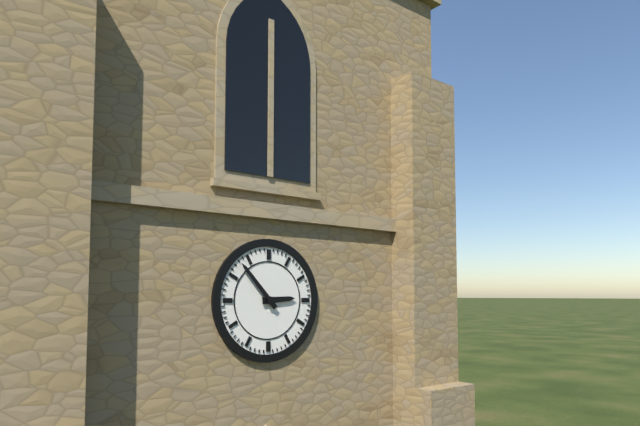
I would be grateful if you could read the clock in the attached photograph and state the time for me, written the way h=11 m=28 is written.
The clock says h=2 m=53
